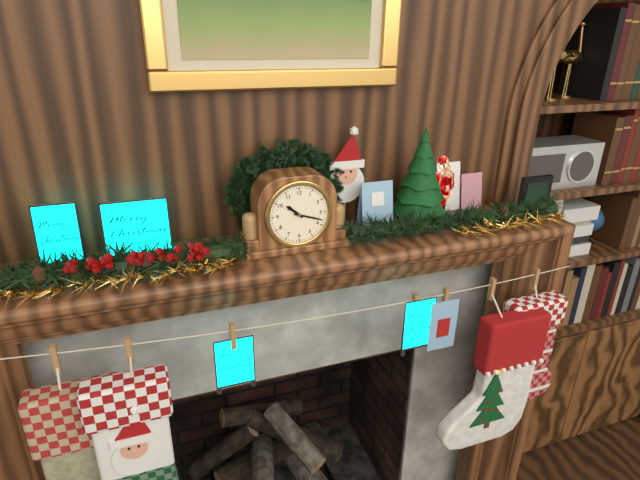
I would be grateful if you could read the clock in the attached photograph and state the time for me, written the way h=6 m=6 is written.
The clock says h=10 m=18
